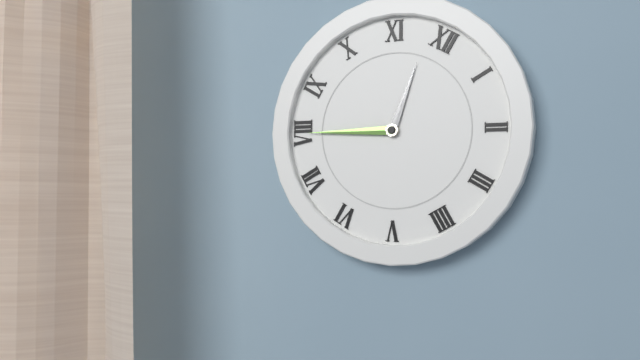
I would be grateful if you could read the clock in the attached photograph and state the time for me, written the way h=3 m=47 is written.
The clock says h=11 m=40
